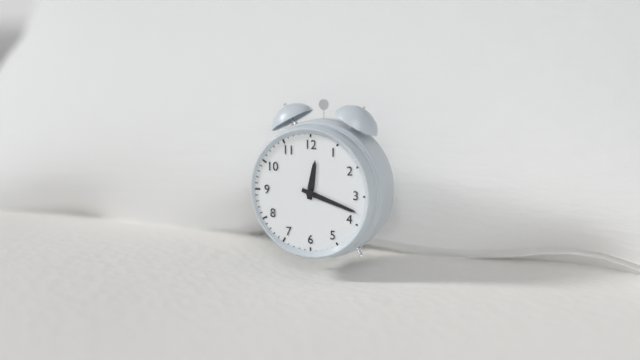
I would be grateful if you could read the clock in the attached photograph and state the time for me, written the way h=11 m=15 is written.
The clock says h=12 m=18
